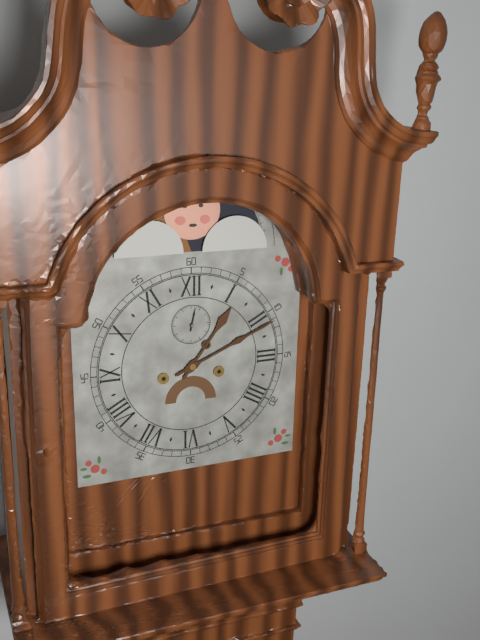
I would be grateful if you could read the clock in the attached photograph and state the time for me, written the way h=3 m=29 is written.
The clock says h=1 m=11
